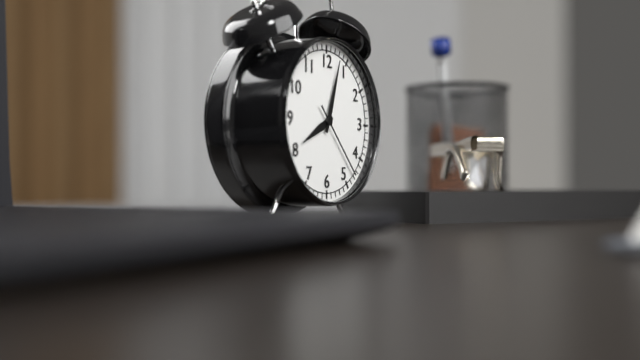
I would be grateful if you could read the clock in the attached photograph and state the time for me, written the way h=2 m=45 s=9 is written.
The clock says h=8 m=3 s=23
